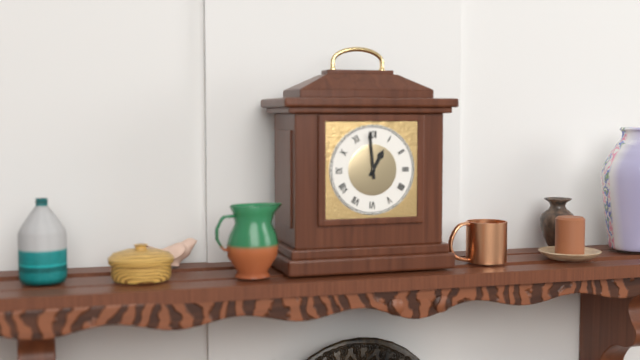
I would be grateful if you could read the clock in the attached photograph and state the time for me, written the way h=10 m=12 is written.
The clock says h=12 m=59
